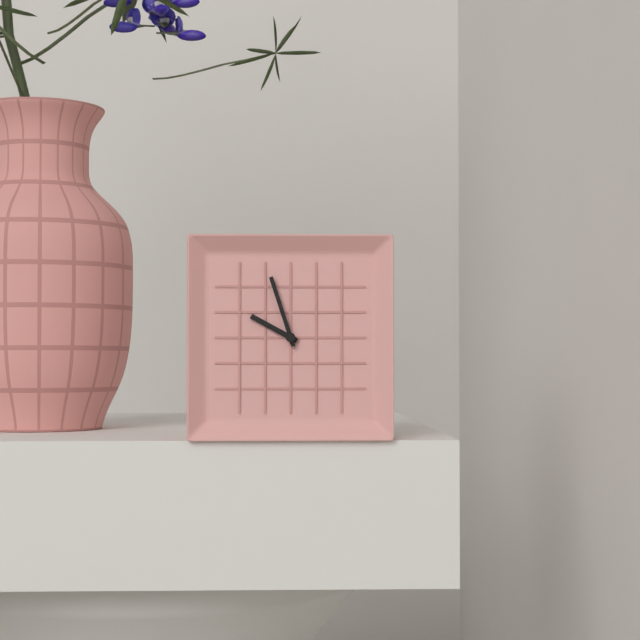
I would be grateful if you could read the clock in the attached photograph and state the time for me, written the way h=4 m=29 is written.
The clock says h=9 m=57
